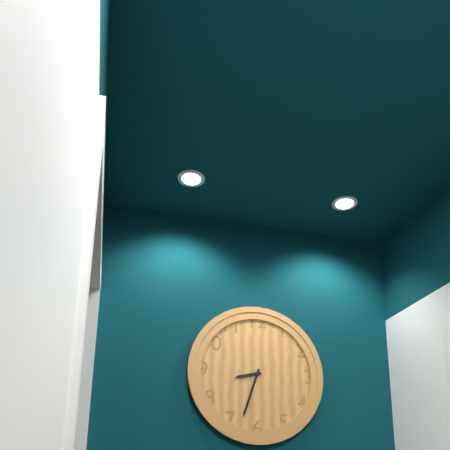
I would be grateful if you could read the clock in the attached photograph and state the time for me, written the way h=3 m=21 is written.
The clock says h=8 m=33
